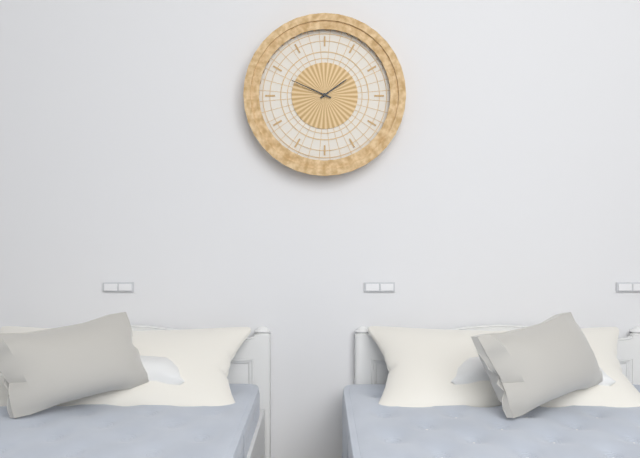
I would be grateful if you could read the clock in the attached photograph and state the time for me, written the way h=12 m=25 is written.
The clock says h=1 m=49
